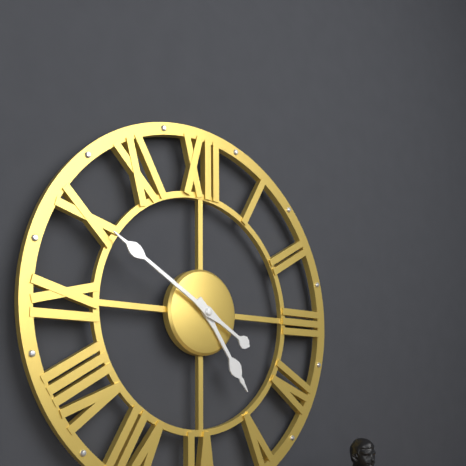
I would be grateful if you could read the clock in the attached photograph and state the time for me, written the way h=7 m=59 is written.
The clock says h=4 m=50
